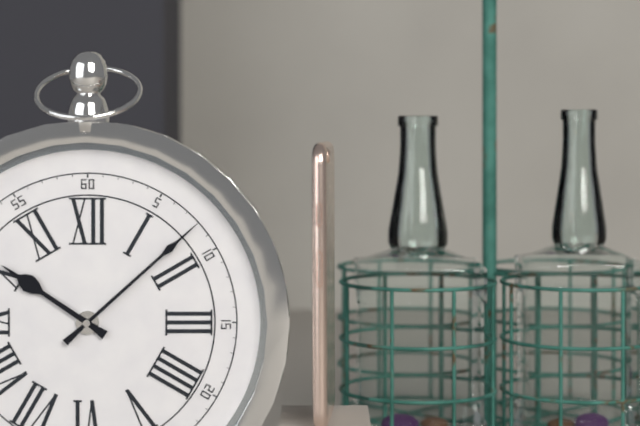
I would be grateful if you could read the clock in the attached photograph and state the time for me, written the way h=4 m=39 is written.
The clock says h=10 m=8
